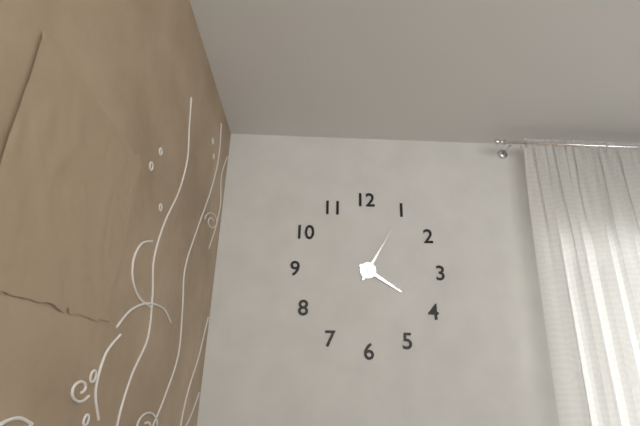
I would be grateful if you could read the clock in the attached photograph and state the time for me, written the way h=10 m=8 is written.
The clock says h=4 m=5
